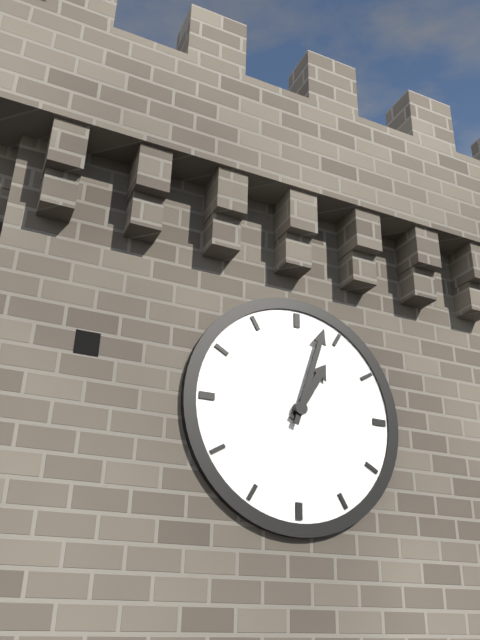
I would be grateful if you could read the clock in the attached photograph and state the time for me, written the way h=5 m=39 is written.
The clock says h=1 m=3
